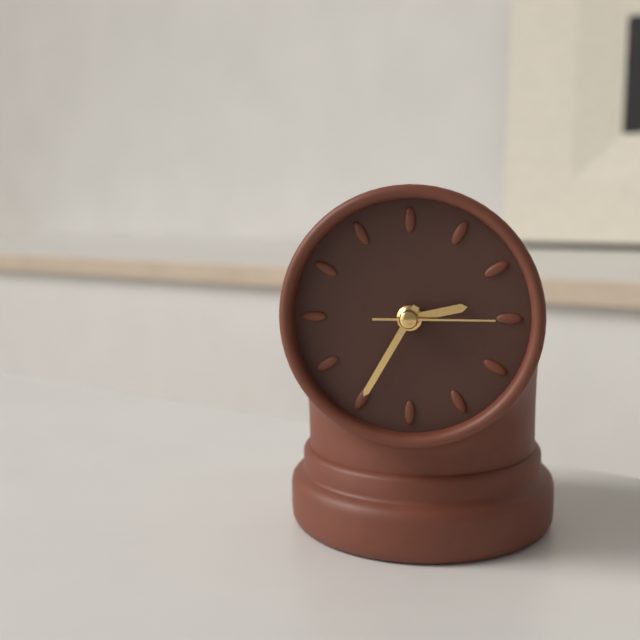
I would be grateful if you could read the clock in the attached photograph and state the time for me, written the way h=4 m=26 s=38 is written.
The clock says h=2 m=35 s=15
